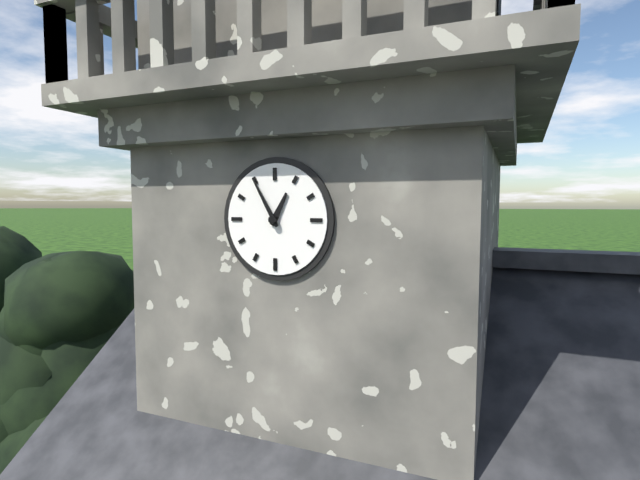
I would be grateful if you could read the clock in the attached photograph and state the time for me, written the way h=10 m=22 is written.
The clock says h=12 m=55
